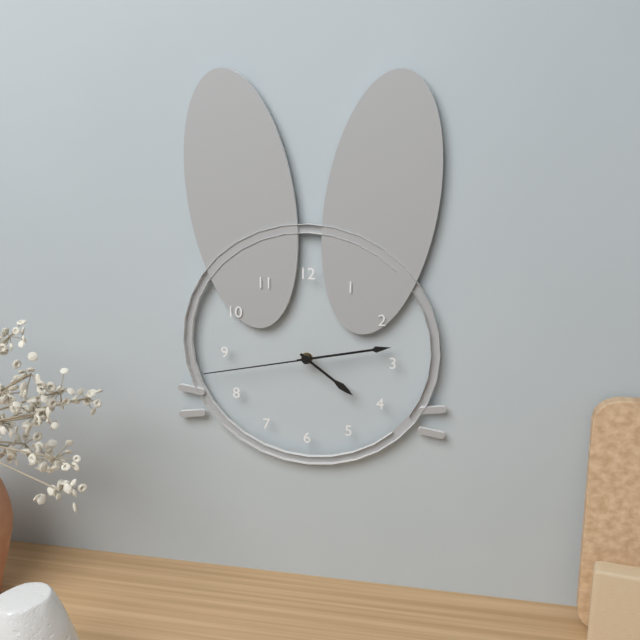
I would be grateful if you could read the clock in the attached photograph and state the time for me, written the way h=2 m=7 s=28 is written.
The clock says h=4 m=13 s=43
